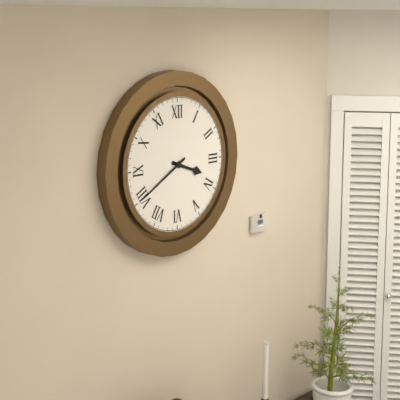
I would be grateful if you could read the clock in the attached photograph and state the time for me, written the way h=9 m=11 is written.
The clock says h=3 m=40
